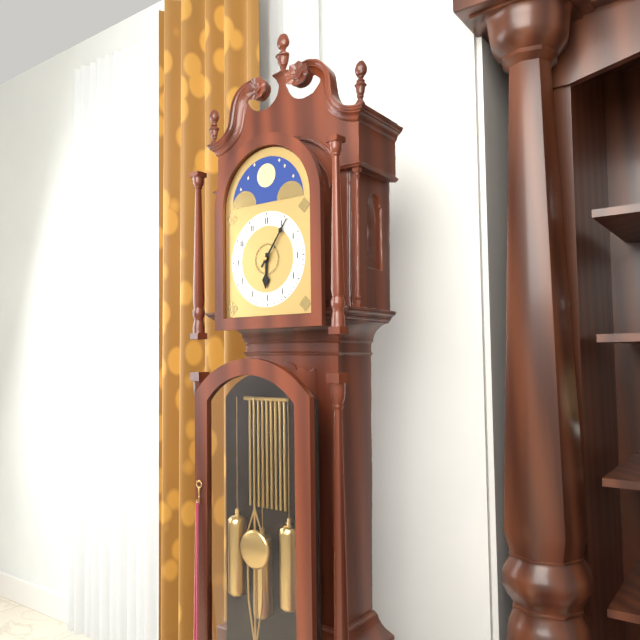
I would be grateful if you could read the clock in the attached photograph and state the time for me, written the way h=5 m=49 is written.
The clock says h=6 m=6
